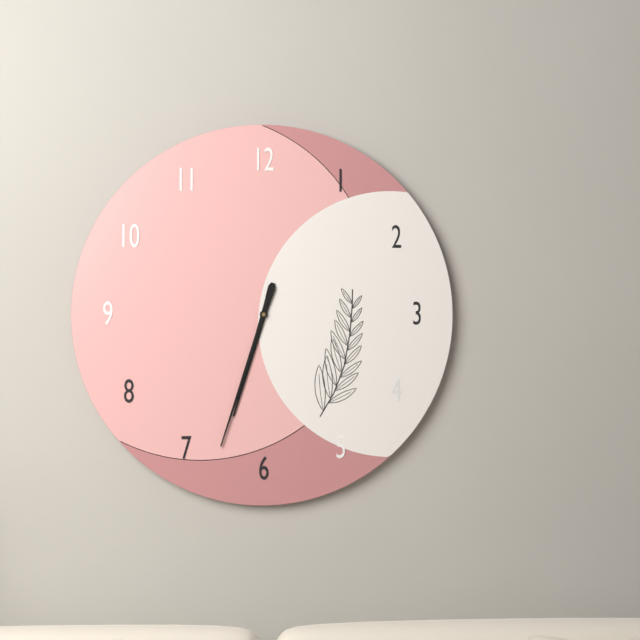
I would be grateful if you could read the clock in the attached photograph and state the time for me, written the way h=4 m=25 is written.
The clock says h=6 m=33
